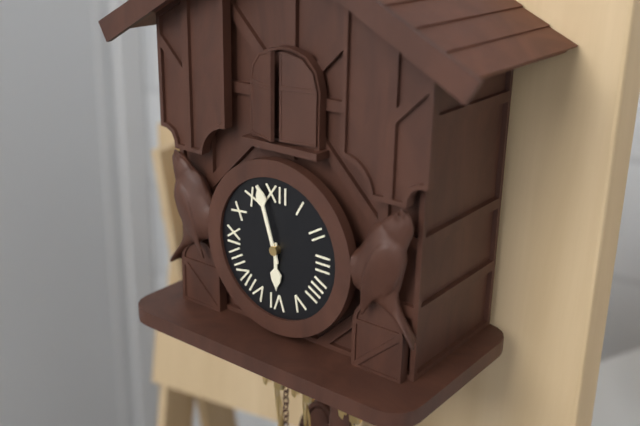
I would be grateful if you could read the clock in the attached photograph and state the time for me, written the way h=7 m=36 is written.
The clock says h=5 m=57
